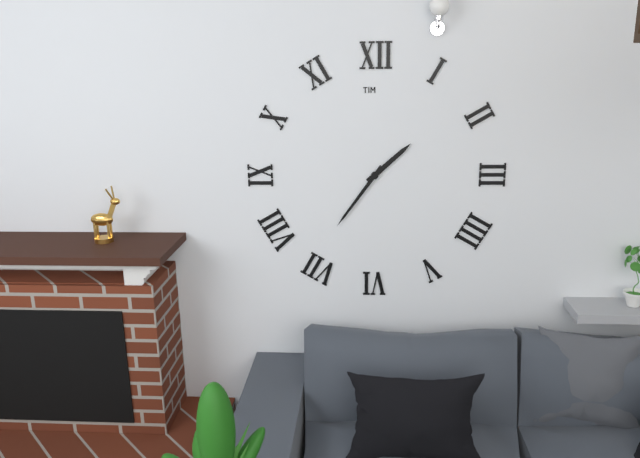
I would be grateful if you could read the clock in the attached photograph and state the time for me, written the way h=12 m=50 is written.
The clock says h=1 m=36
